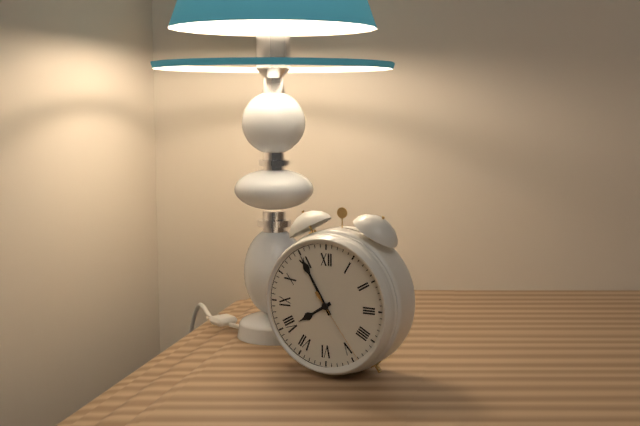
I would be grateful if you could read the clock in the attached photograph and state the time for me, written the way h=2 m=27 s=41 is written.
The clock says h=7 m=55 s=24
